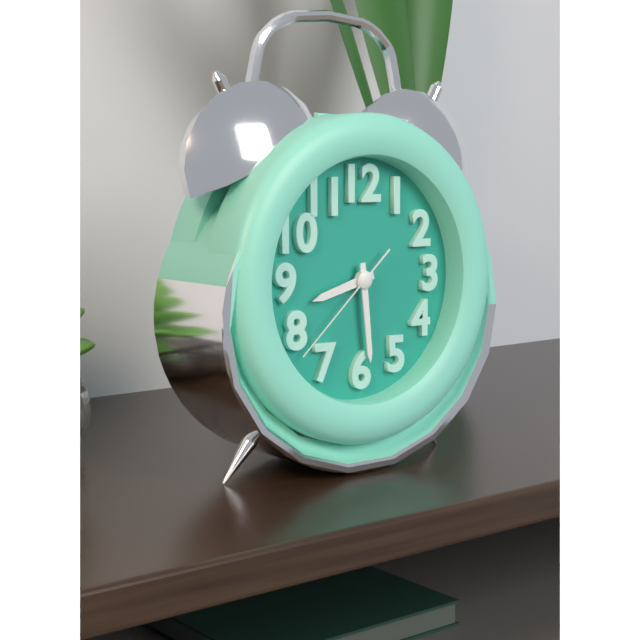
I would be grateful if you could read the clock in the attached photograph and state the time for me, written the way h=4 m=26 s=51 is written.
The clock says h=8 m=29 s=38
